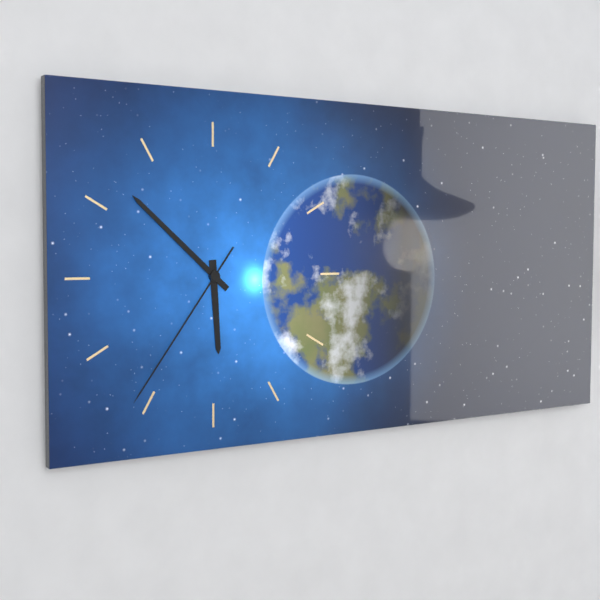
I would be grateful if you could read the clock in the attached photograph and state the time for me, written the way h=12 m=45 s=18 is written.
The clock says h=5 m=52 s=36
